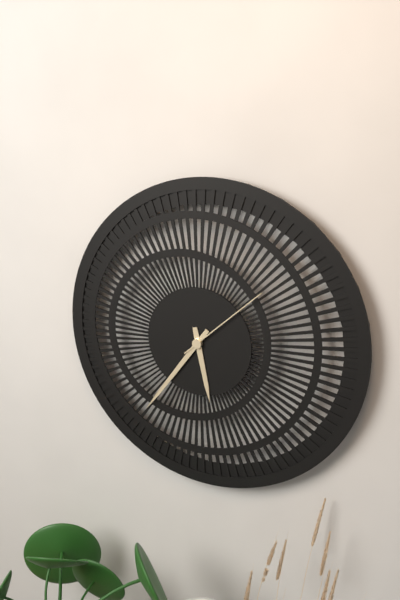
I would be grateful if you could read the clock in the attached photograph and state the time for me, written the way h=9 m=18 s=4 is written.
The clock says h=5 m=36 s=8
